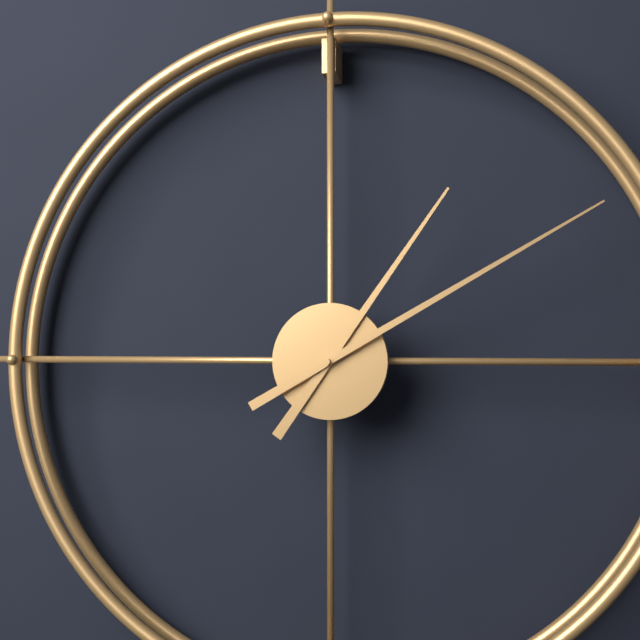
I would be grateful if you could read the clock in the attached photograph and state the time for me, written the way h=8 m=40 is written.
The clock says h=1 m=10
